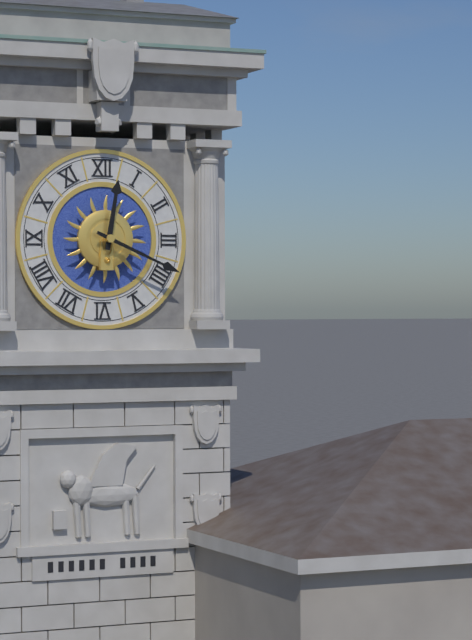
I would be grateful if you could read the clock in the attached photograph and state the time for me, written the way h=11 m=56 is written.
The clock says h=12 m=19
